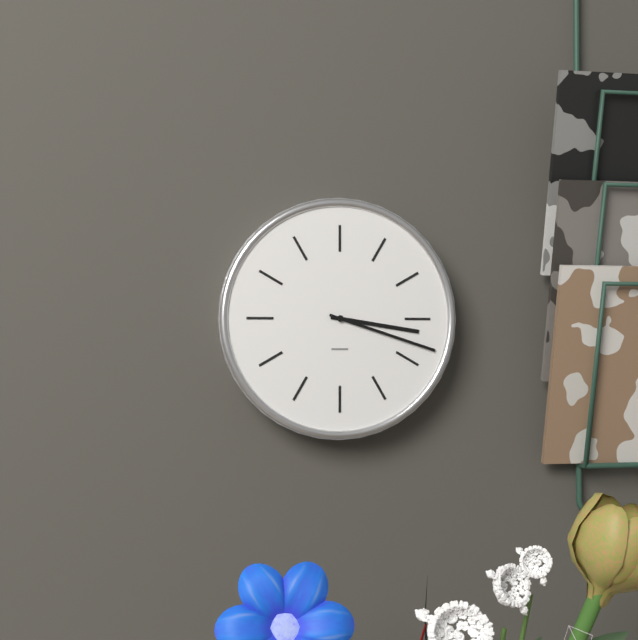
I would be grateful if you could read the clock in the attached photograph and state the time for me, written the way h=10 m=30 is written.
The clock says h=3 m=18
